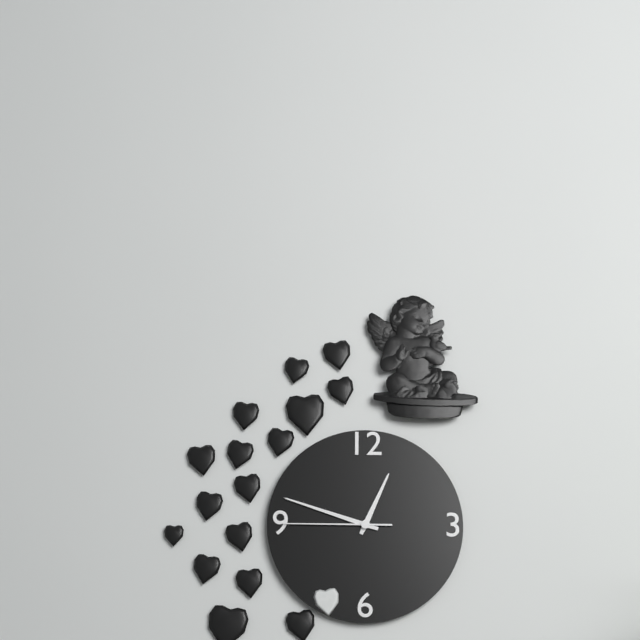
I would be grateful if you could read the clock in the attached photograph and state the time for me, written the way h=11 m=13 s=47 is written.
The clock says h=12 m=48 s=45
